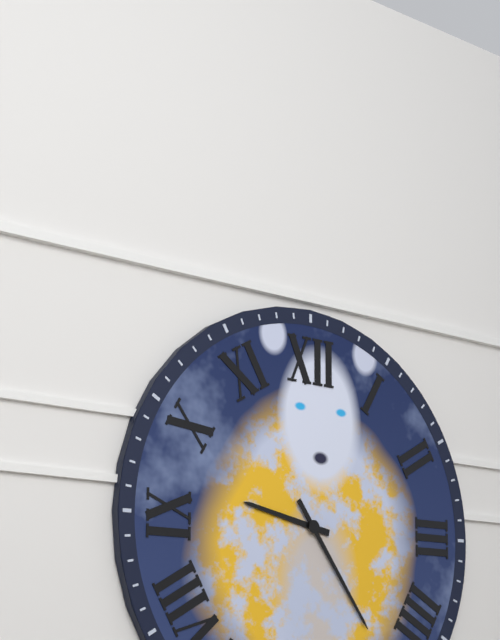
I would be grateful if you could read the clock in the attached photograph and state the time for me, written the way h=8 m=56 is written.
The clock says h=9 m=24
